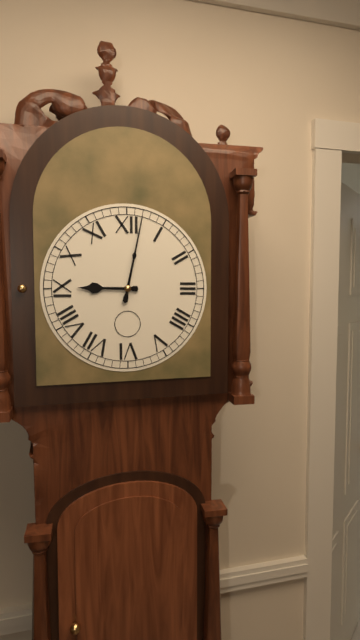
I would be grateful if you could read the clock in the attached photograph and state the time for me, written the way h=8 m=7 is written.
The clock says h=9 m=2
